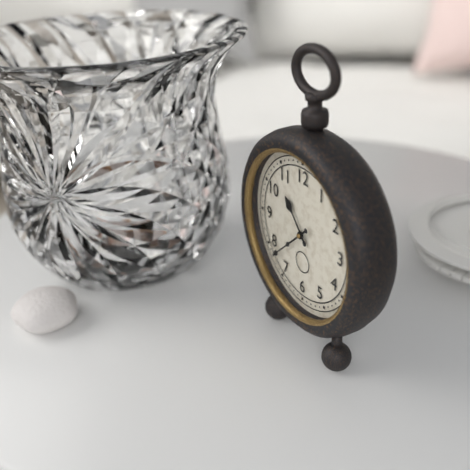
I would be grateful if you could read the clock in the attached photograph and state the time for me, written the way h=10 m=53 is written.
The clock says h=10 m=38
